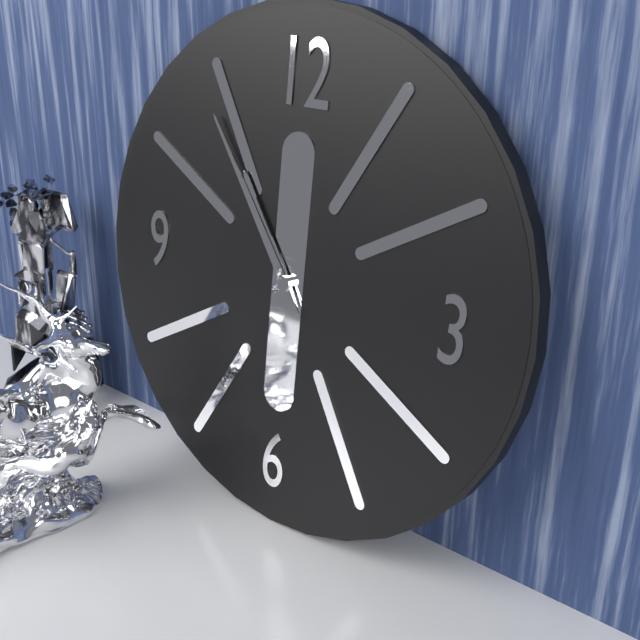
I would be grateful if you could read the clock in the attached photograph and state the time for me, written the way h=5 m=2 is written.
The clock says h=10 m=54
